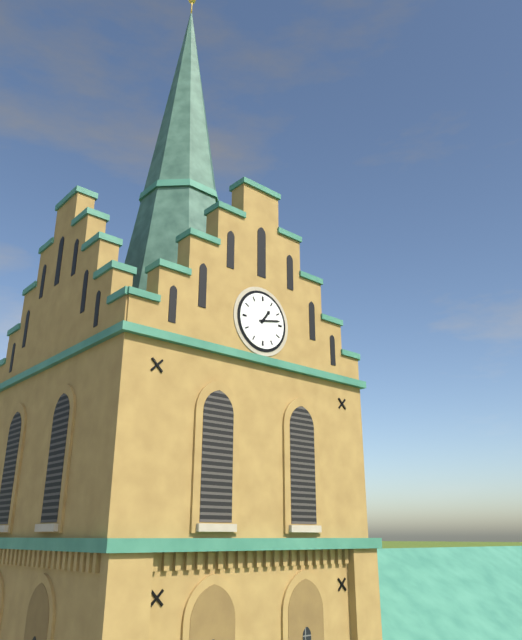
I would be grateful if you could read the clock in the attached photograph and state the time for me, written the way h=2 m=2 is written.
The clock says h=1 m=13
